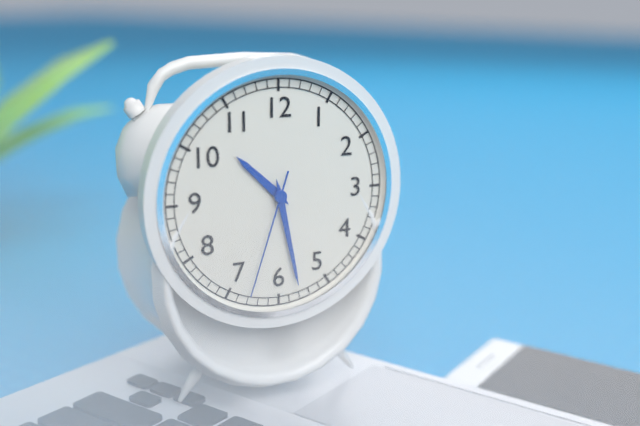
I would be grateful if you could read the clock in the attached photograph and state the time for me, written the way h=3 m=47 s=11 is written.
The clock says h=10 m=28 s=33
